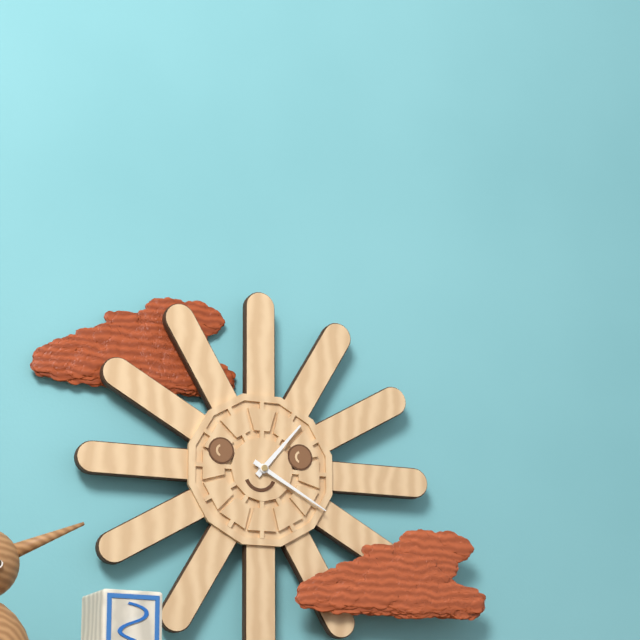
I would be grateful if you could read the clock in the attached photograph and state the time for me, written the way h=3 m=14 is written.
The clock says h=1 m=20
